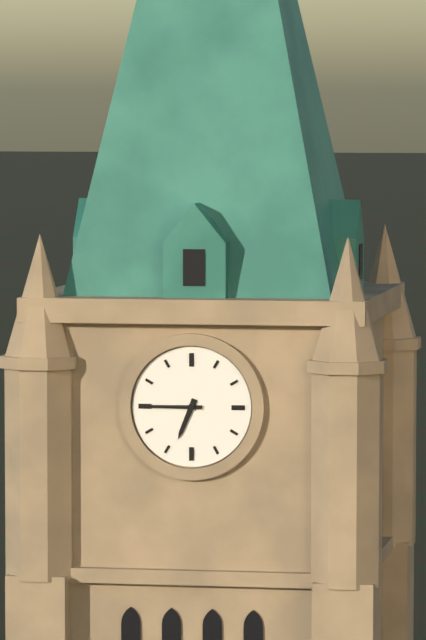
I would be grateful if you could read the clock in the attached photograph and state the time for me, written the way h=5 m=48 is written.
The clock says h=6 m=45
